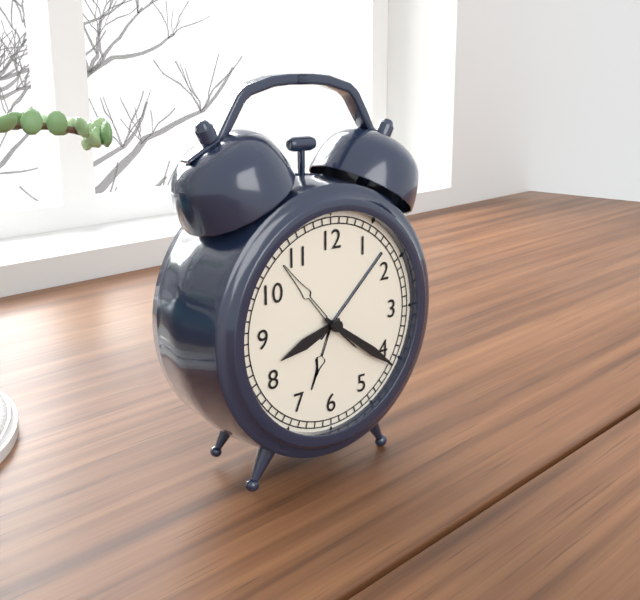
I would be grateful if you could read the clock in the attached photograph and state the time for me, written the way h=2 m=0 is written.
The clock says h=8 m=21
